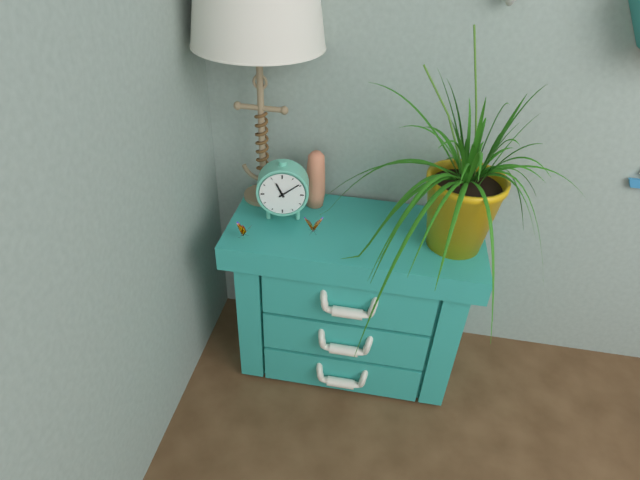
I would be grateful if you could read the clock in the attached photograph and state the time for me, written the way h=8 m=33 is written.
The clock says h=11 m=9
